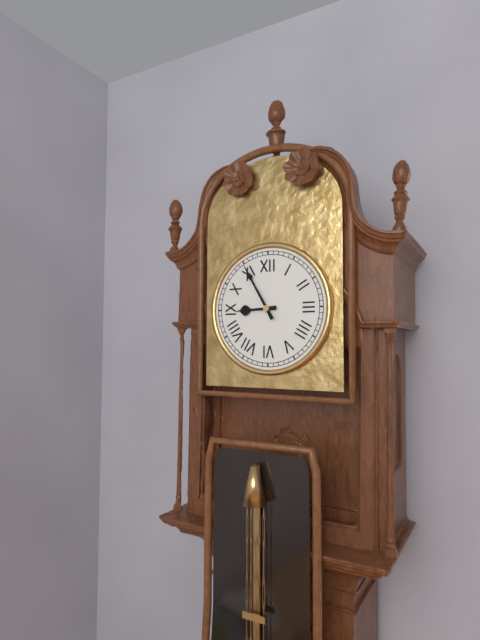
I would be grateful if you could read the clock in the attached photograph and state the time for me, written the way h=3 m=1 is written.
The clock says h=8 m=55
